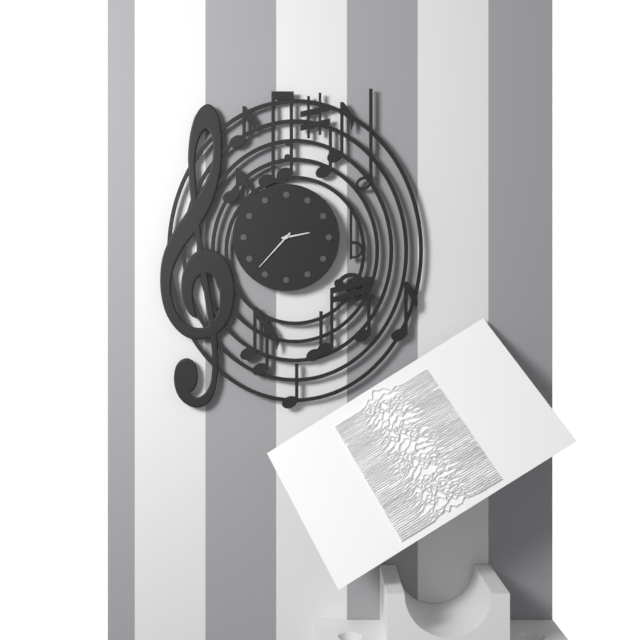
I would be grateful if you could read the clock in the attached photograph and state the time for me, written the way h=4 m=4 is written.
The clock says h=2 m=37
